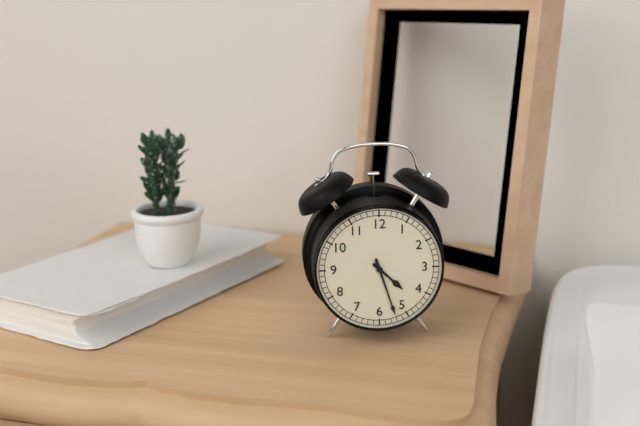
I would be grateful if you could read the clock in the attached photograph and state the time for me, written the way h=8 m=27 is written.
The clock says h=4 m=27
